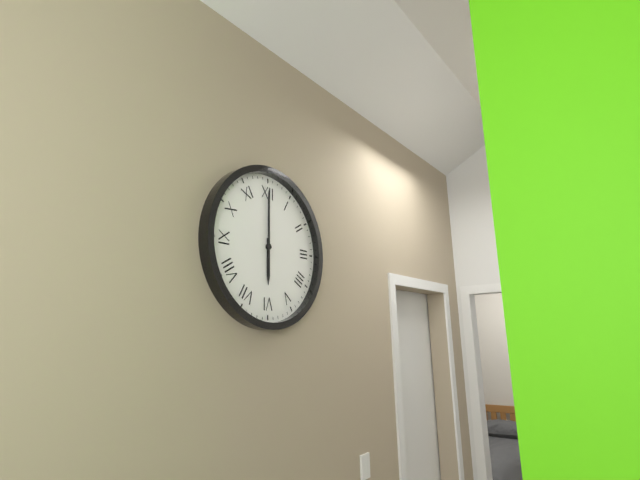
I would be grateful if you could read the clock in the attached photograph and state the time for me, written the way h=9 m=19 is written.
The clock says h=6 m=0
